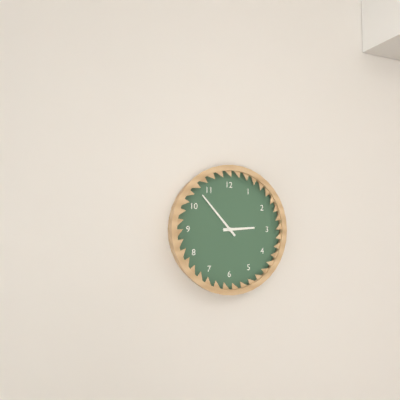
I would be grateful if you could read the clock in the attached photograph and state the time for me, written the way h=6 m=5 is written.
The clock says h=2 m=53
